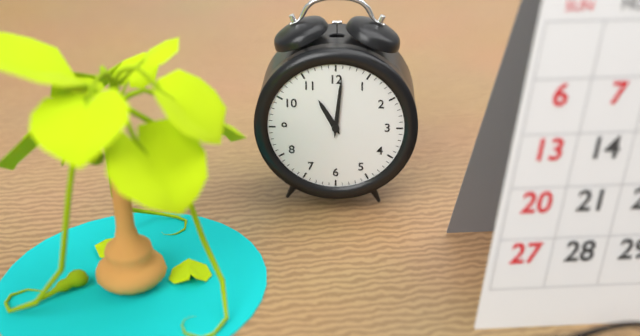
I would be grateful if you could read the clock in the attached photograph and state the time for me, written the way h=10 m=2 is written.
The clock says h=11 m=1
